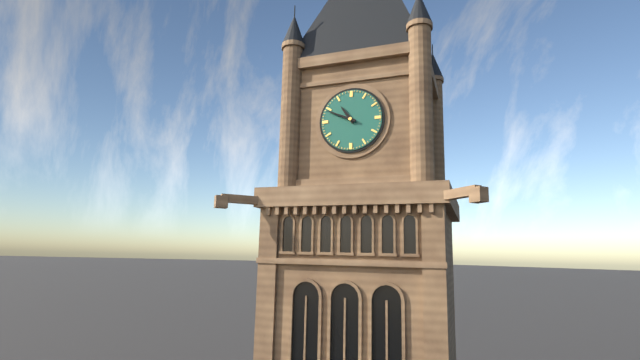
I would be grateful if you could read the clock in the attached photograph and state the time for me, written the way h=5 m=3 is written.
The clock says h=10 m=49
